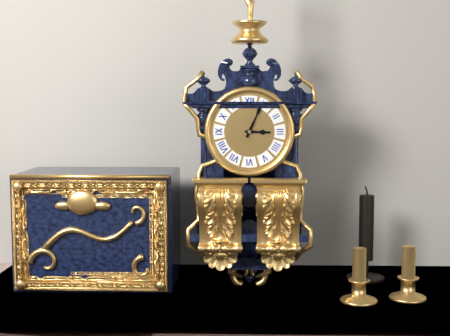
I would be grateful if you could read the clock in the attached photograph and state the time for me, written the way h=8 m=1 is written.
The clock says h=3 m=4
